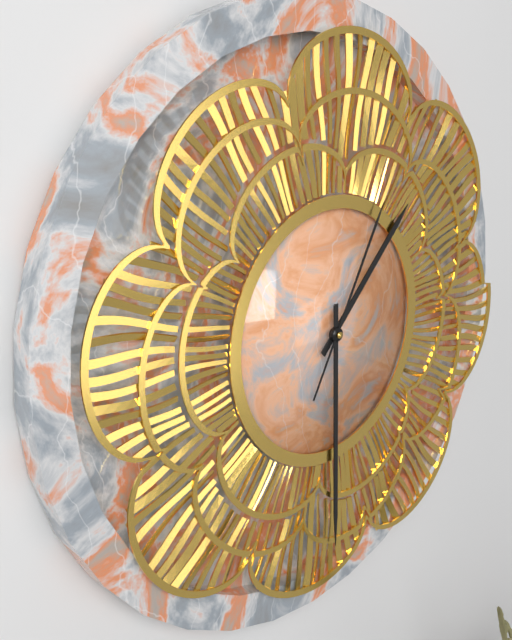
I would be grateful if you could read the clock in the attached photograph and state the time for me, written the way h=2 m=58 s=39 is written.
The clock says h=1 m=30 s=5
